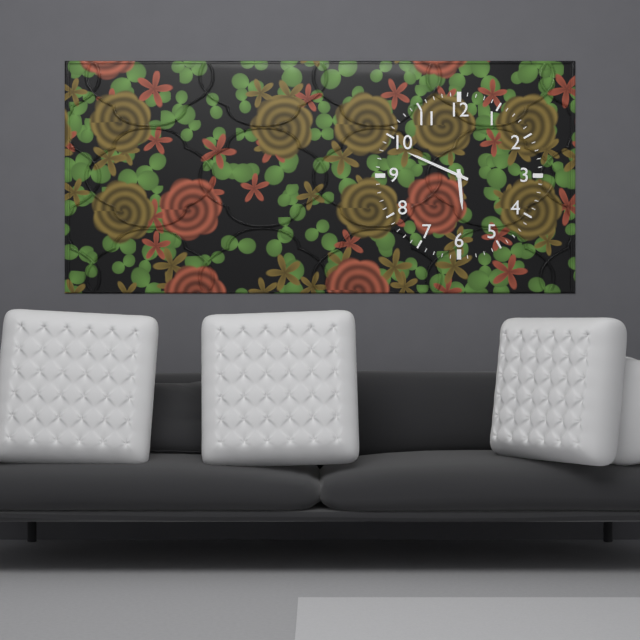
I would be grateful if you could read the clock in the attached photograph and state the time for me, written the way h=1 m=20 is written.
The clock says h=5 m=49
